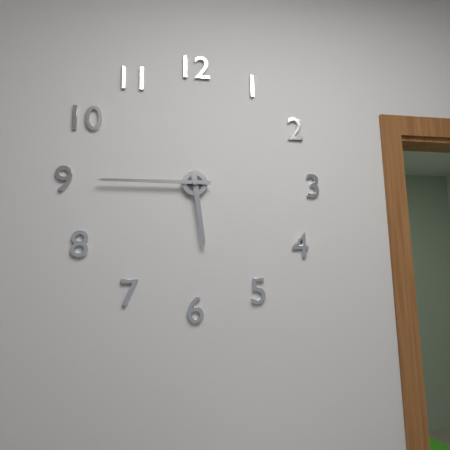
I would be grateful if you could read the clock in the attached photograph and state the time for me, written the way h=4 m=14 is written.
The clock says h=5 m=45
